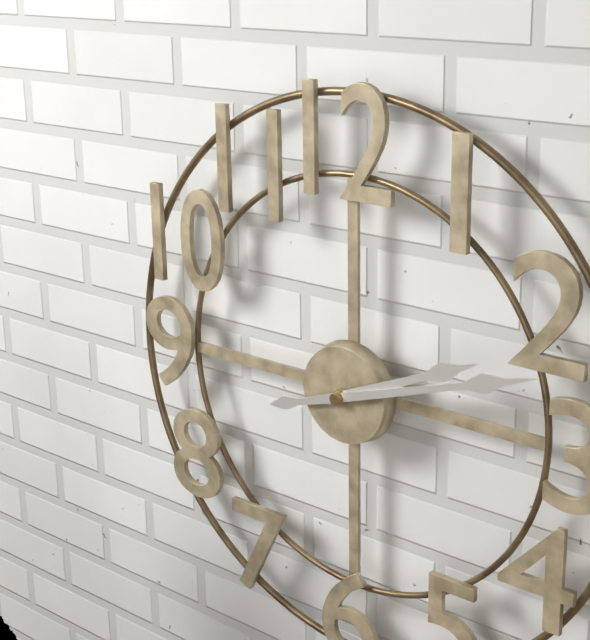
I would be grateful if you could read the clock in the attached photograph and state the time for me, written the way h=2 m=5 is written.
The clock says h=2 m=12
